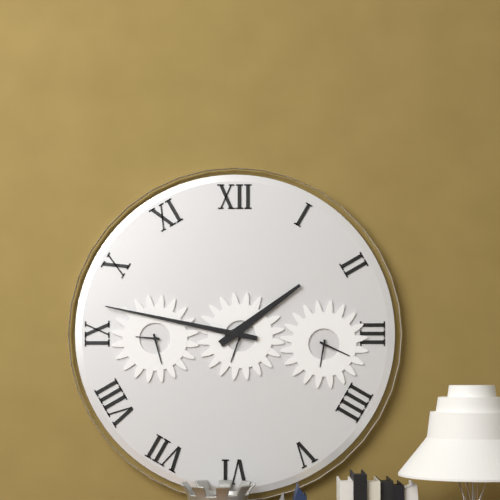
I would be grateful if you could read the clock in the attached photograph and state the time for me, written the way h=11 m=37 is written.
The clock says h=1 m=47
